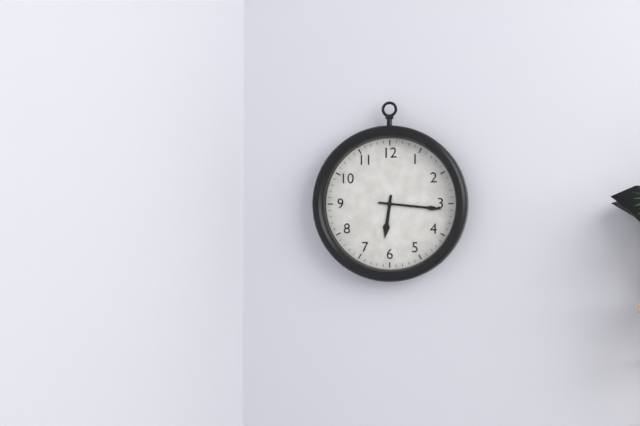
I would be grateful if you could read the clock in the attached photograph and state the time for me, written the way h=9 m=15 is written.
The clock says h=6 m=16
